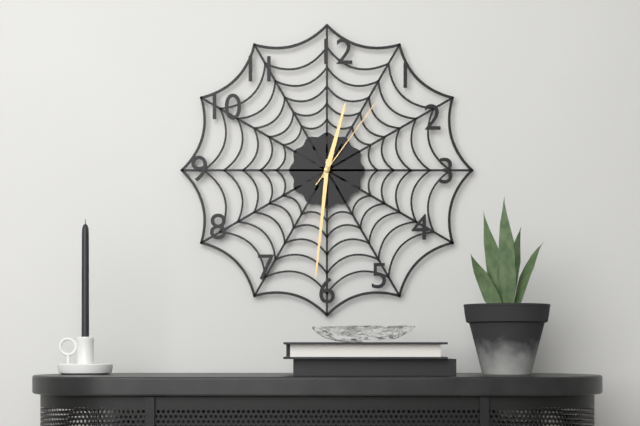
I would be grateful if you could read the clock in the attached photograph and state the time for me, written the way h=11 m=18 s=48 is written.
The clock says h=12 m=31 s=6
